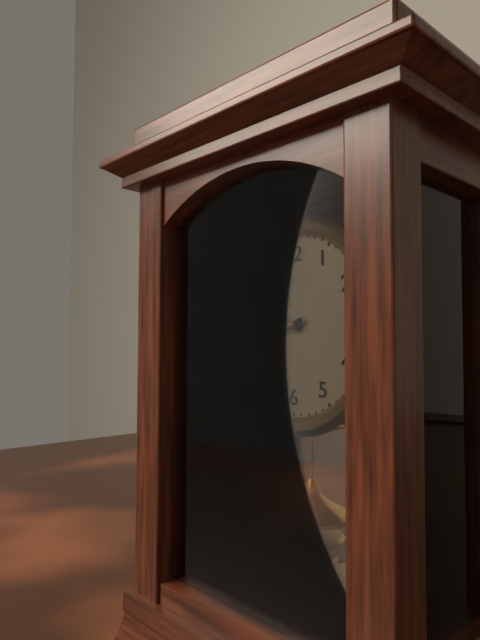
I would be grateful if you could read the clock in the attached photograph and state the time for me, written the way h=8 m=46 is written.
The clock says h=9 m=42
